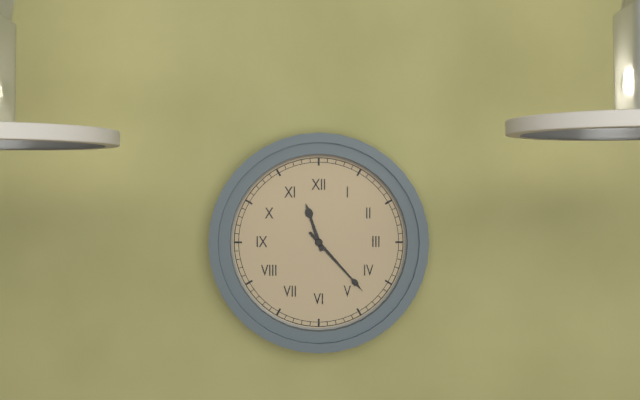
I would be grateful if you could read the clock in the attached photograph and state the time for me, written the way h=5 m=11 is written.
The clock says h=11 m=23
